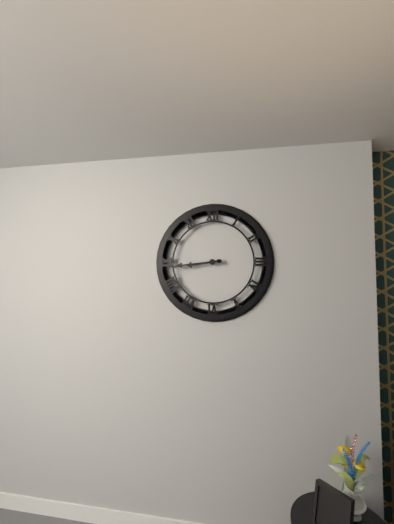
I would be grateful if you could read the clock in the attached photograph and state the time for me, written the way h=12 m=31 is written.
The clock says h=8 m=44
